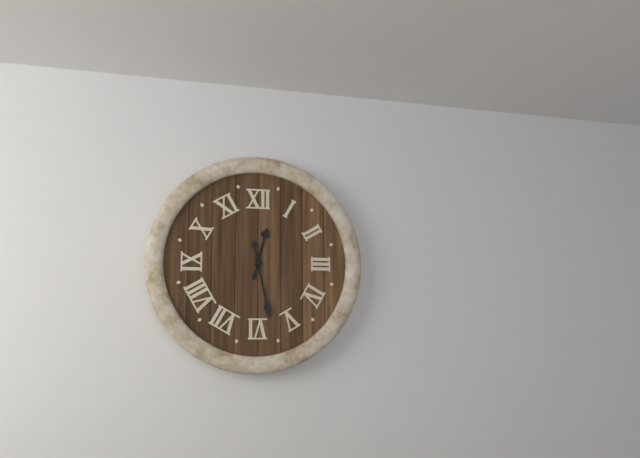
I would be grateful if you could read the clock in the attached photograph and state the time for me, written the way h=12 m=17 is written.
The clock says h=12 m=28
